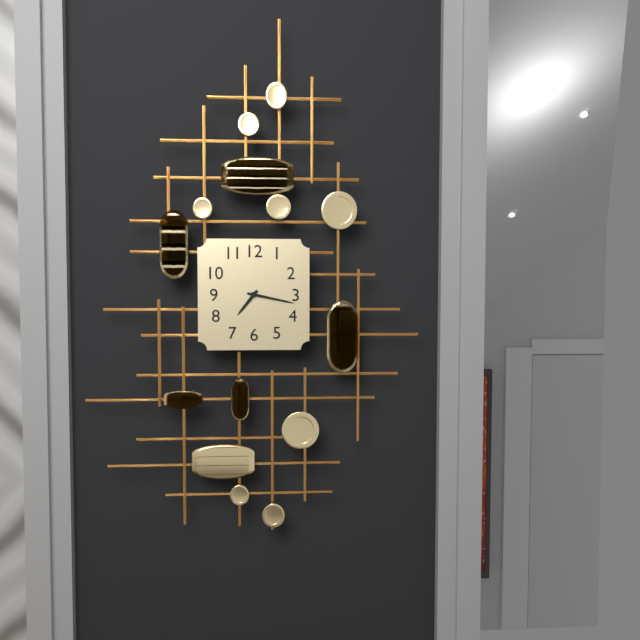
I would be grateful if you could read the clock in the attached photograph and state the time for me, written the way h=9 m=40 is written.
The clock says h=7 m=17
